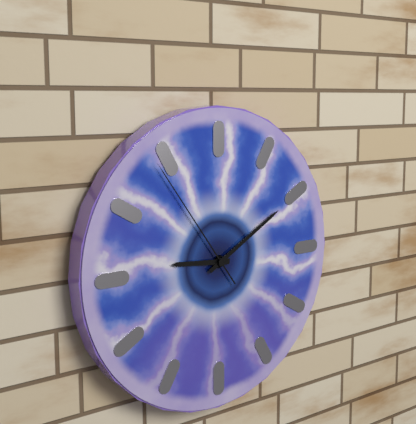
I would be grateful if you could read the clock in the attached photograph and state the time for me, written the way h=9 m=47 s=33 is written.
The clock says h=9 m=10 s=54
